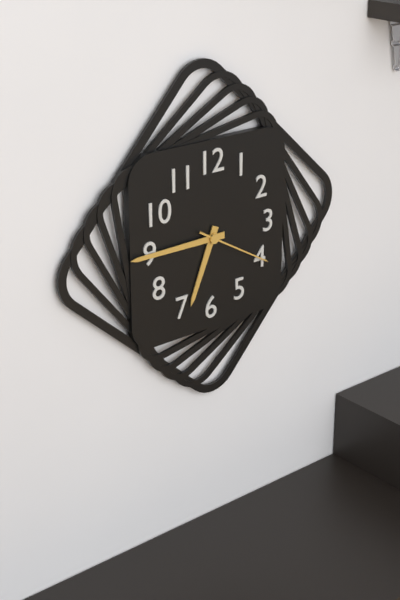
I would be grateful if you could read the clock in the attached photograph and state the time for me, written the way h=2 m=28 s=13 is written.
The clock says h=6 m=45 s=20
